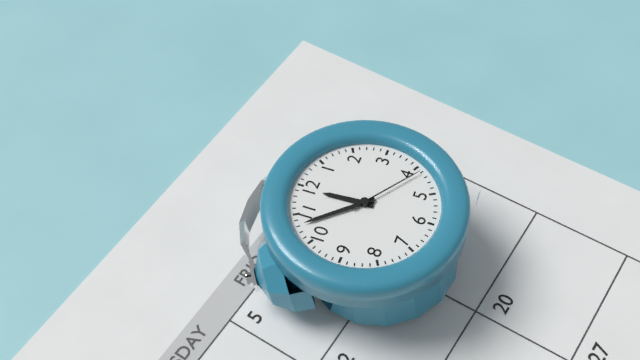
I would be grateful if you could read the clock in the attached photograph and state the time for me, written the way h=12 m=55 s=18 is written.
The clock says h=11 m=53 s=21
